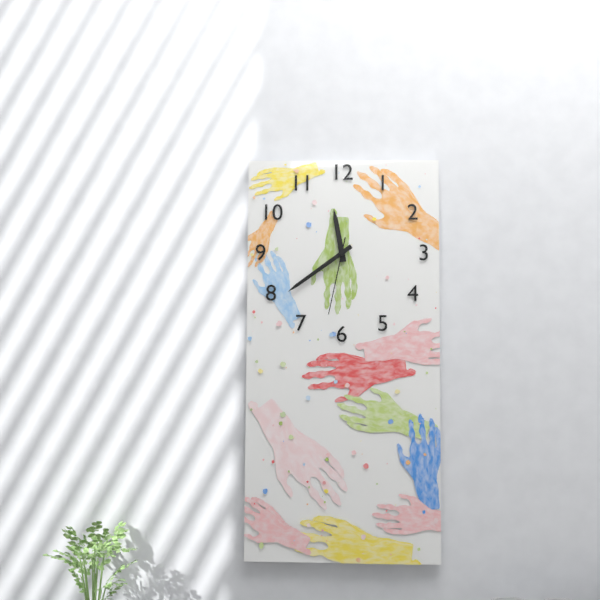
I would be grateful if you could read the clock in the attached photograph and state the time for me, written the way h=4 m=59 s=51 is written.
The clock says h=11 m=39 s=32
